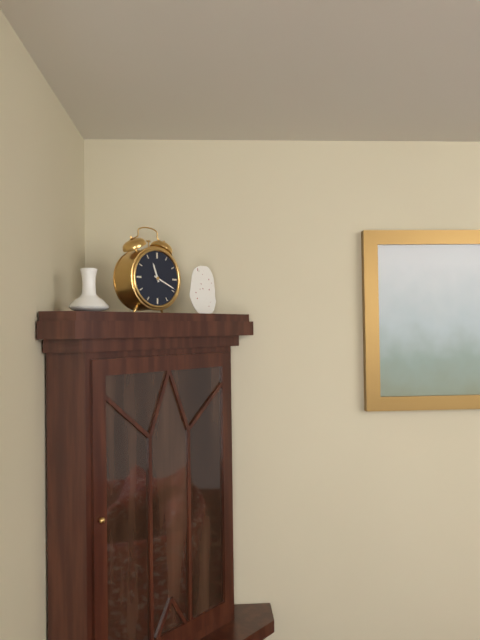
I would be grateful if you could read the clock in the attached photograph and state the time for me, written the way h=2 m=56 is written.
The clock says h=11 m=19
